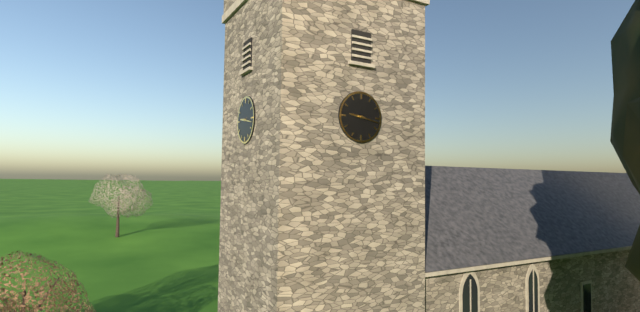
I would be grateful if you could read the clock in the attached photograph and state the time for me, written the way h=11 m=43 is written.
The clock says h=9 m=17
